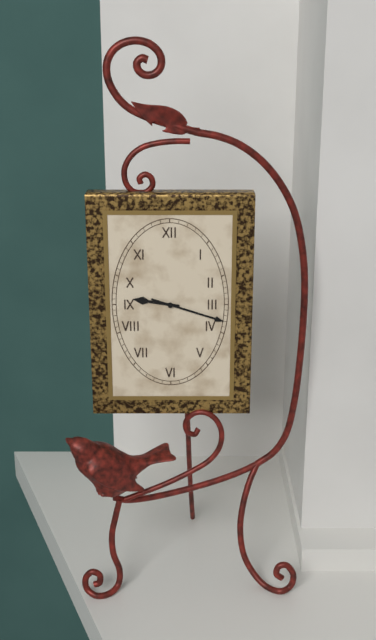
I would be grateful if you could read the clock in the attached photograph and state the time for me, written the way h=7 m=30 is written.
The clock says h=9 m=18
